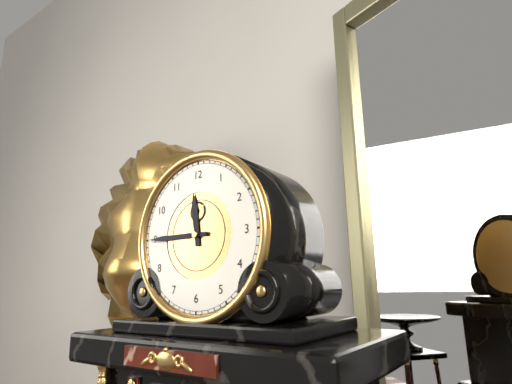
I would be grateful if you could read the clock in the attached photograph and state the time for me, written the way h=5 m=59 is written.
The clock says h=11 m=45
